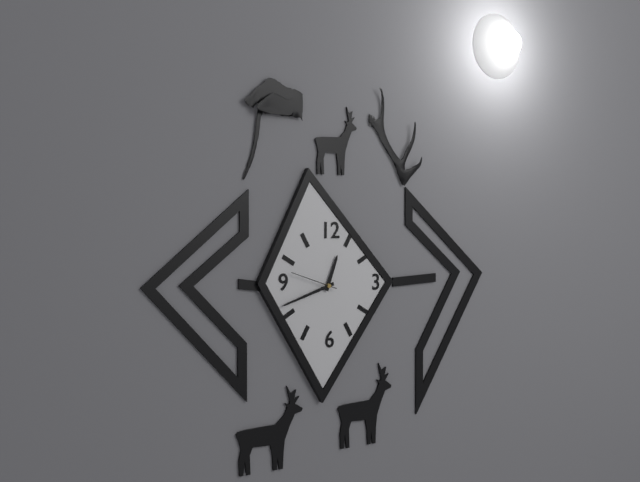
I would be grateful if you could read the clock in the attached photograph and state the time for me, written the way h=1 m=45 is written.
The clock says h=12 m=42
